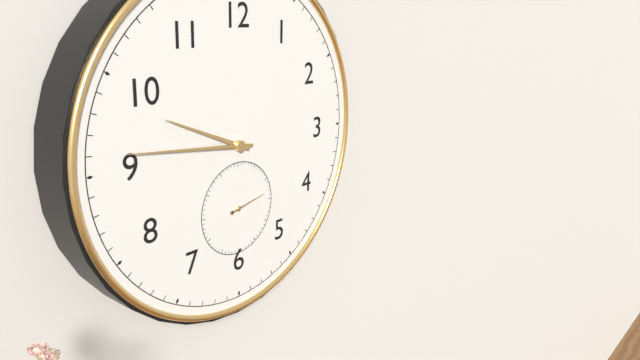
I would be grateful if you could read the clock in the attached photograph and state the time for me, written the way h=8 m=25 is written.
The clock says h=9 m=46
